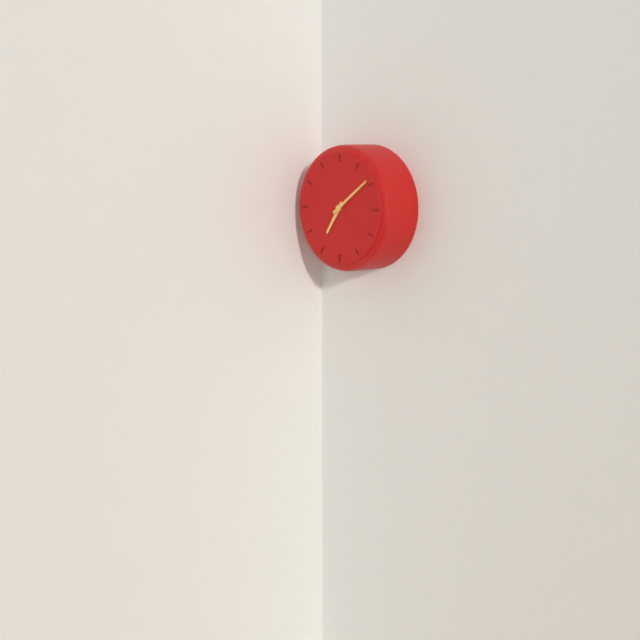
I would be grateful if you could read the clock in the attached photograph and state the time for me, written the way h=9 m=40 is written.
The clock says h=7 m=9
